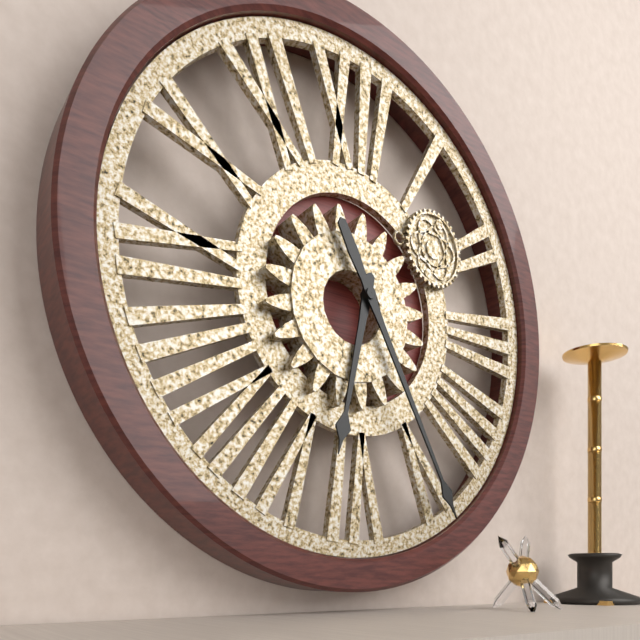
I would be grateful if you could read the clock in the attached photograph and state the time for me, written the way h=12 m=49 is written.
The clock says h=6 m=25
